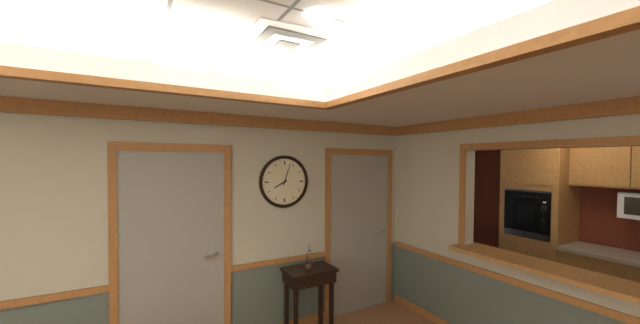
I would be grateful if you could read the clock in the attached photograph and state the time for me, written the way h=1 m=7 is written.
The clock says h=8 m=3
